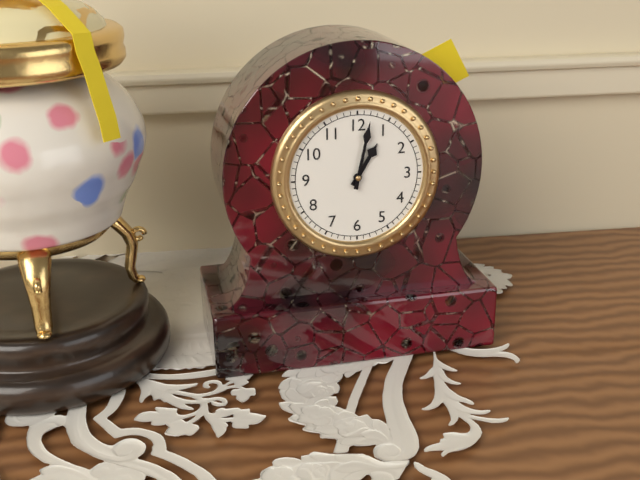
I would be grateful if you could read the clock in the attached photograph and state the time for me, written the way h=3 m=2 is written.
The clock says h=1 m=2
